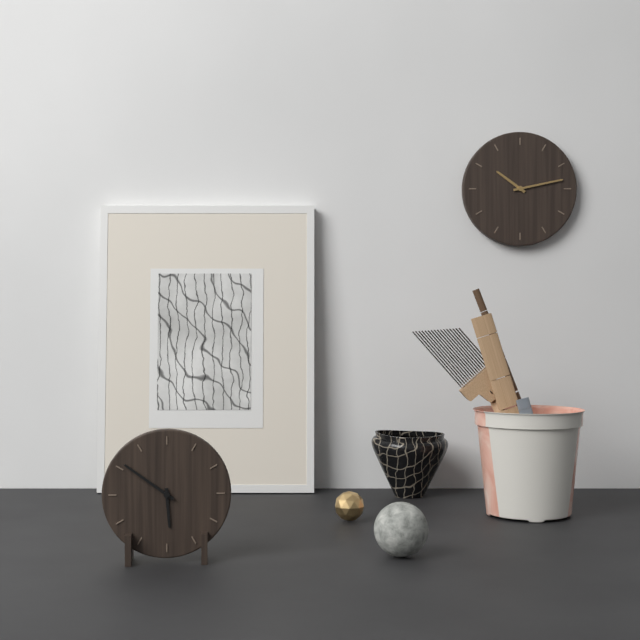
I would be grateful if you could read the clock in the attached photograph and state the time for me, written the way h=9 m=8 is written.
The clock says h=5 m=51
